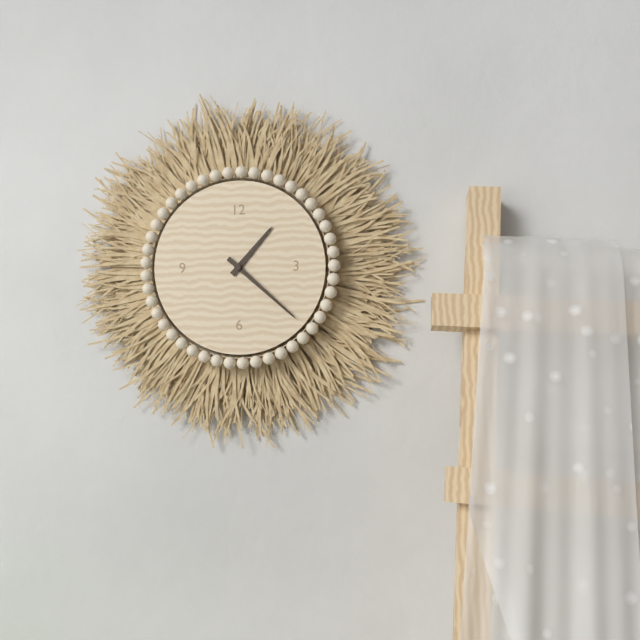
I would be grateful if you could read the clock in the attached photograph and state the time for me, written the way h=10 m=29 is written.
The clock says h=1 m=22
